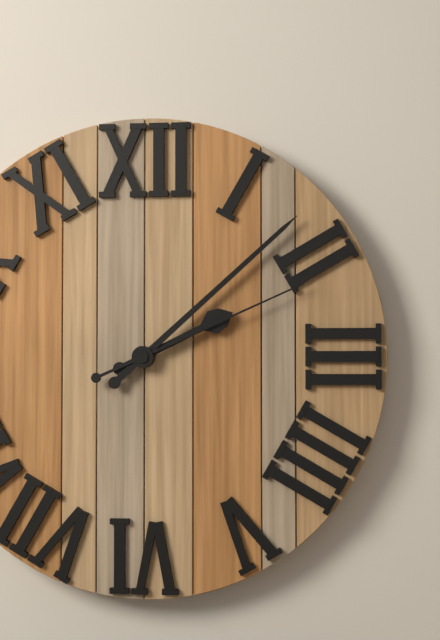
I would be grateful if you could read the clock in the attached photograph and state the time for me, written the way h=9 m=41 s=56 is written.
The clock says h=2 m=8 s=11
